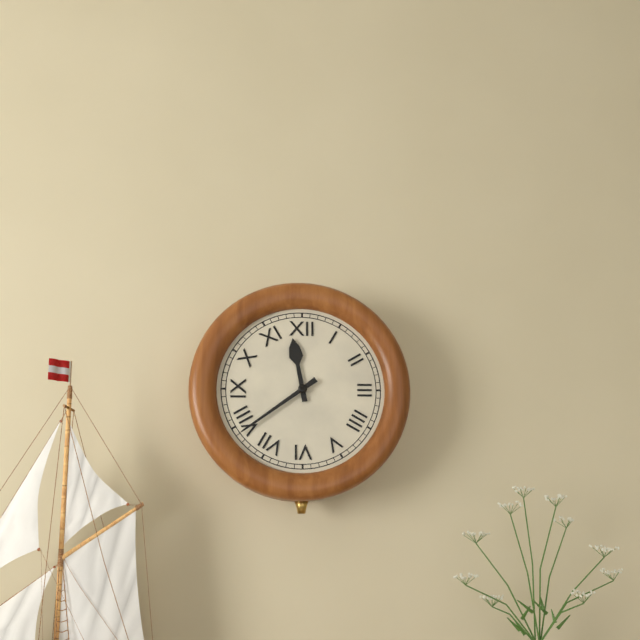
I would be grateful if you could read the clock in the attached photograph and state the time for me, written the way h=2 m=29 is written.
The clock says h=11 m=39
